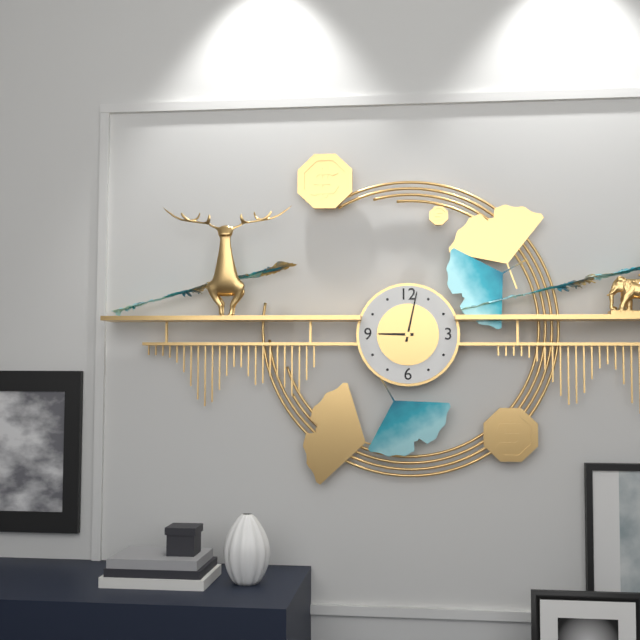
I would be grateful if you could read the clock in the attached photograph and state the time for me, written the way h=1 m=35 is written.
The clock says h=9 m=2
